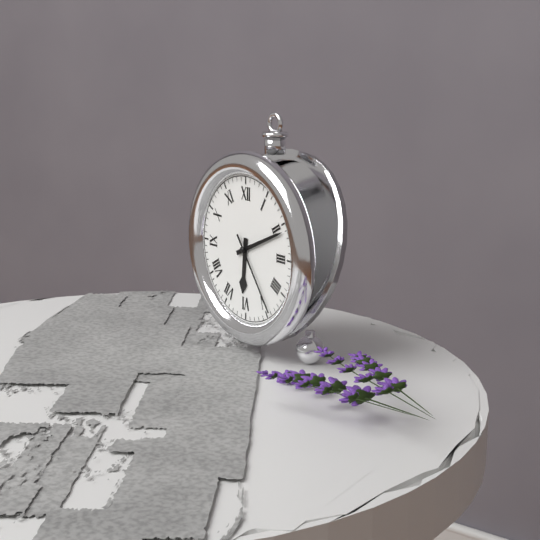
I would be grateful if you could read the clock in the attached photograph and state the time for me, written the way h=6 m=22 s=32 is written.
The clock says h=6 m=11 s=24
